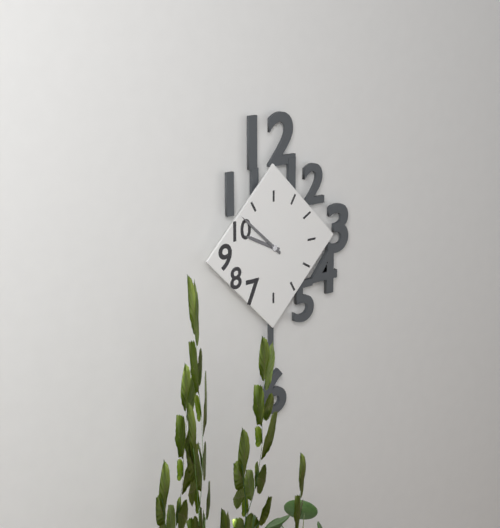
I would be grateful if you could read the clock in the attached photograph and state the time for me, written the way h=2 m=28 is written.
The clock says h=9 m=52
